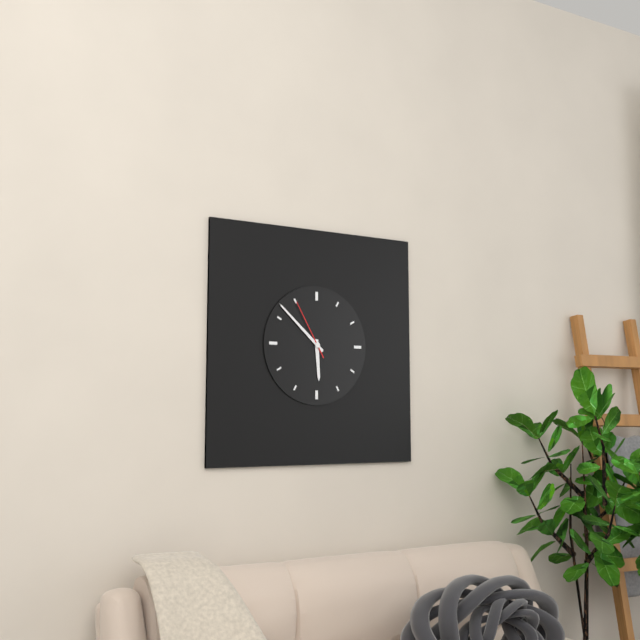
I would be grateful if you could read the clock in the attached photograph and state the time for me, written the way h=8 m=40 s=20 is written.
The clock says h=5 m=52 s=55
